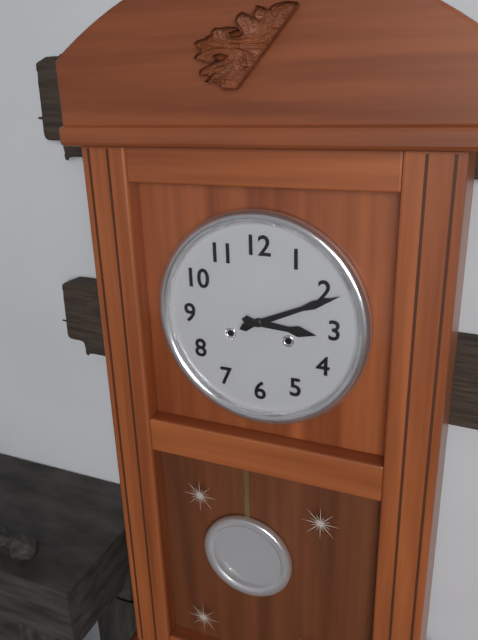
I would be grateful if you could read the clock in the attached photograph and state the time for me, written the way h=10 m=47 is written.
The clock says h=3 m=11
